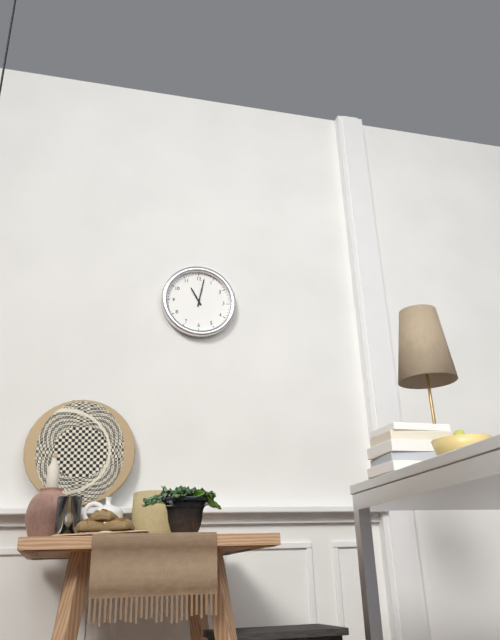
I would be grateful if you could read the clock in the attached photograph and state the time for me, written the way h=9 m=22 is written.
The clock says h=11 m=2
